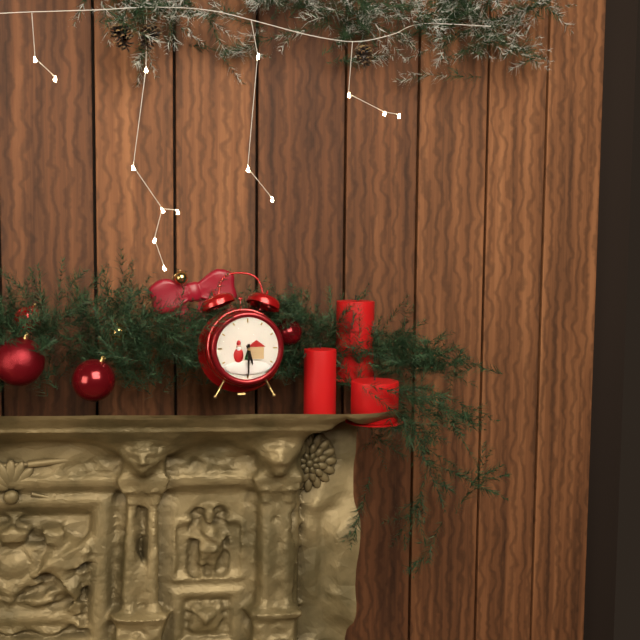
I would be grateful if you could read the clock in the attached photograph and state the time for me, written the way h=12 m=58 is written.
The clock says h=5 m=30
